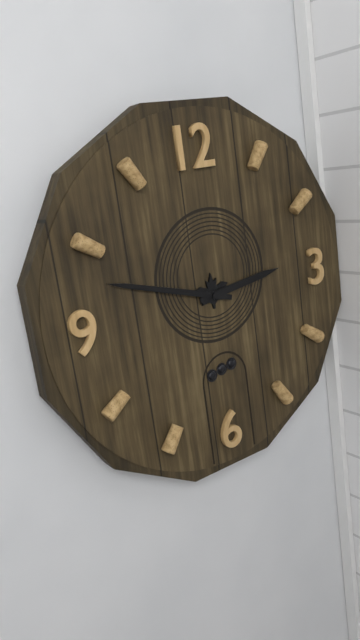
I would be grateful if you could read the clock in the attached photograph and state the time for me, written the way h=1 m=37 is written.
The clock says h=2 m=48
